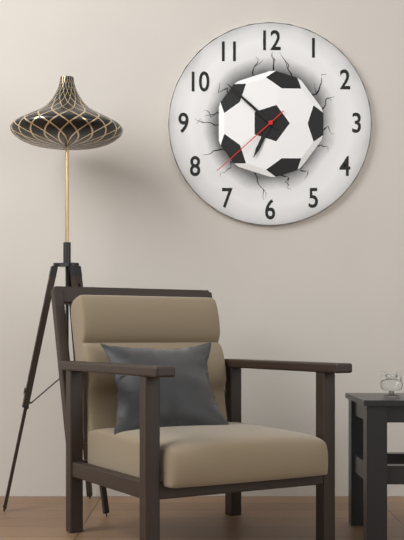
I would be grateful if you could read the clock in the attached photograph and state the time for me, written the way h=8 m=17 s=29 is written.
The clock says h=6 m=52 s=38
